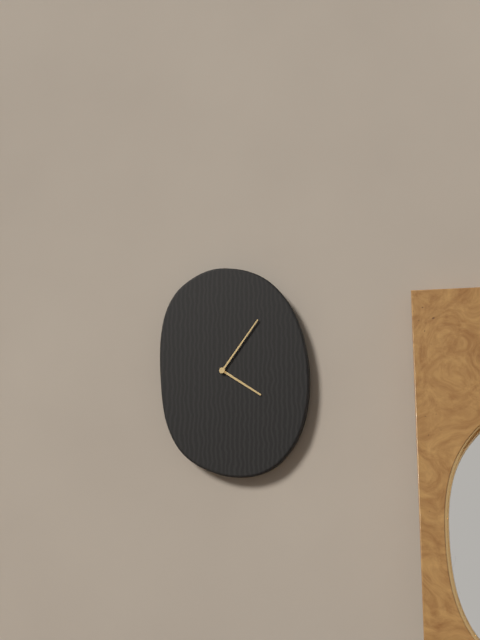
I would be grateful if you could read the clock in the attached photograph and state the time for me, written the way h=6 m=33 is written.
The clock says h=4 m=6
